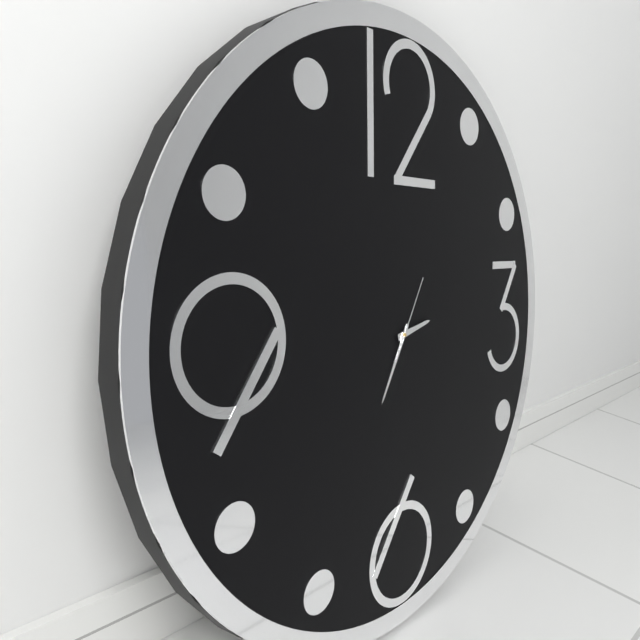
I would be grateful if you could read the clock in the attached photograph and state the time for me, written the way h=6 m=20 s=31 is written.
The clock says h=2 m=35 s=5
